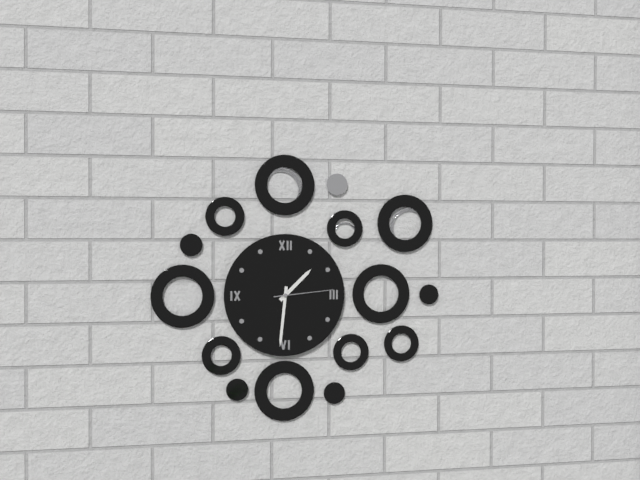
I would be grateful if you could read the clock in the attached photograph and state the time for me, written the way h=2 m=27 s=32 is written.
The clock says h=1 m=31 s=14
